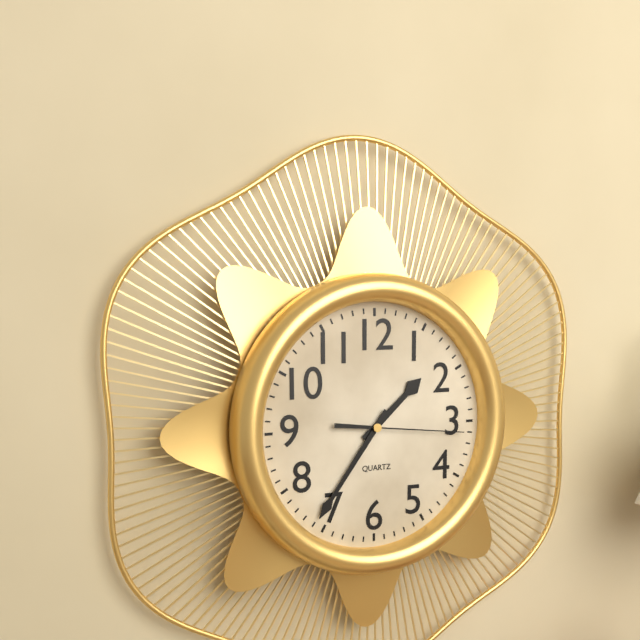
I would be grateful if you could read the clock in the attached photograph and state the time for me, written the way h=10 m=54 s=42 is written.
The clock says h=1 m=36 s=16
